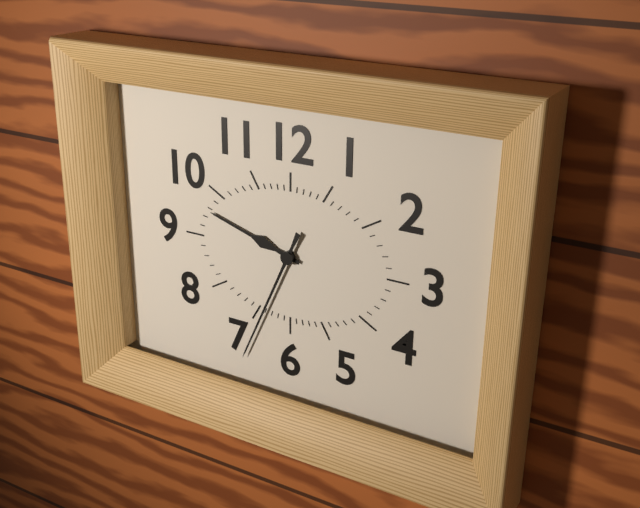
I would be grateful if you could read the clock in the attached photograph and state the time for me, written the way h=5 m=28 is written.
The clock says h=9 m=34
